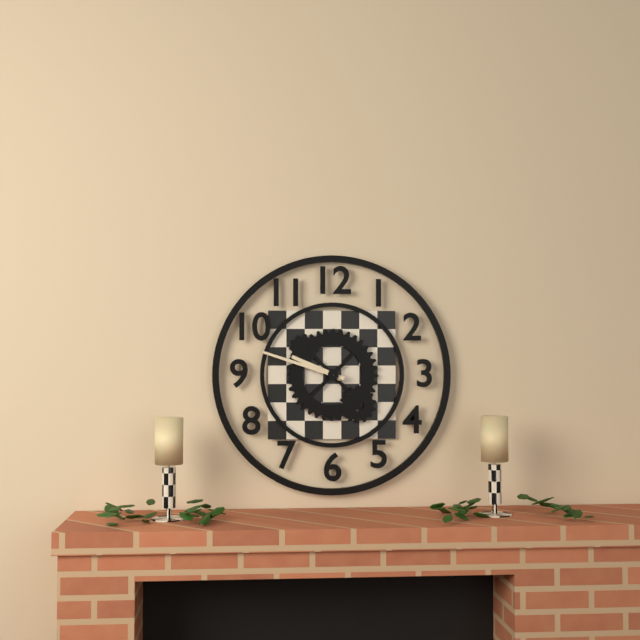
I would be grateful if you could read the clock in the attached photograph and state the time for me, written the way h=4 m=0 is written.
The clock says h=9 m=48
